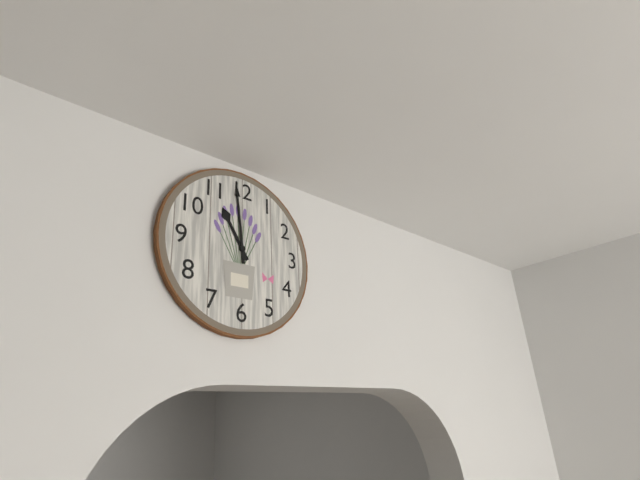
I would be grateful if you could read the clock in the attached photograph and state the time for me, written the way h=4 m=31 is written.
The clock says h=10 m=59
